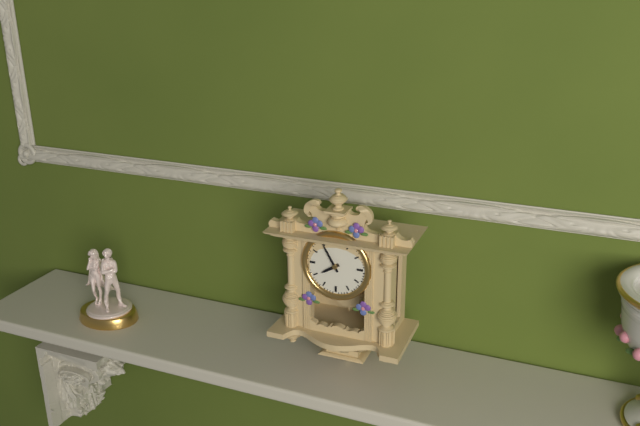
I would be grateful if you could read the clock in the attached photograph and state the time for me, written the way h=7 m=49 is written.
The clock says h=7 m=55
